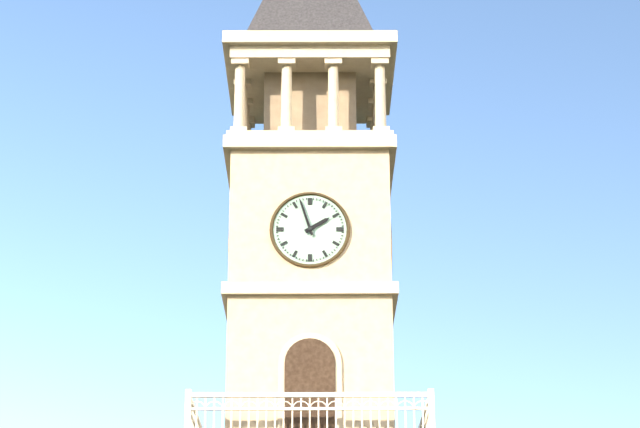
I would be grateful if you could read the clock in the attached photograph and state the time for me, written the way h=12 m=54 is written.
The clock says h=1 m=57
